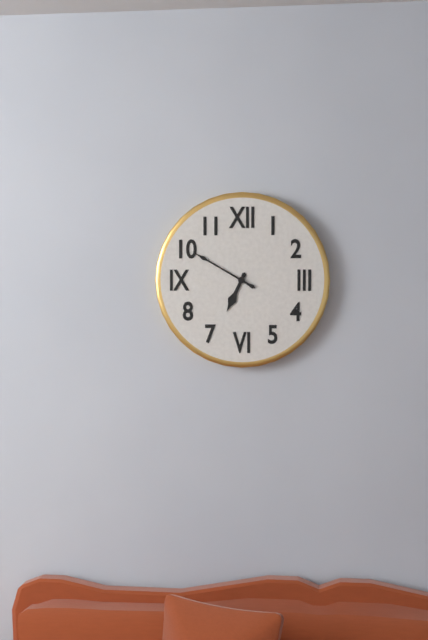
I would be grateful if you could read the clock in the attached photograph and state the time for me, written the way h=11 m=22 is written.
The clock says h=6 m=50
